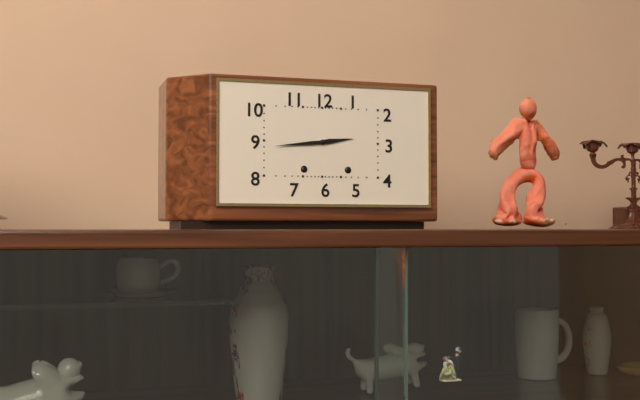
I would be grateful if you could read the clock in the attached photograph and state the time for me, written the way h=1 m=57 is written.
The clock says h=2 m=44
